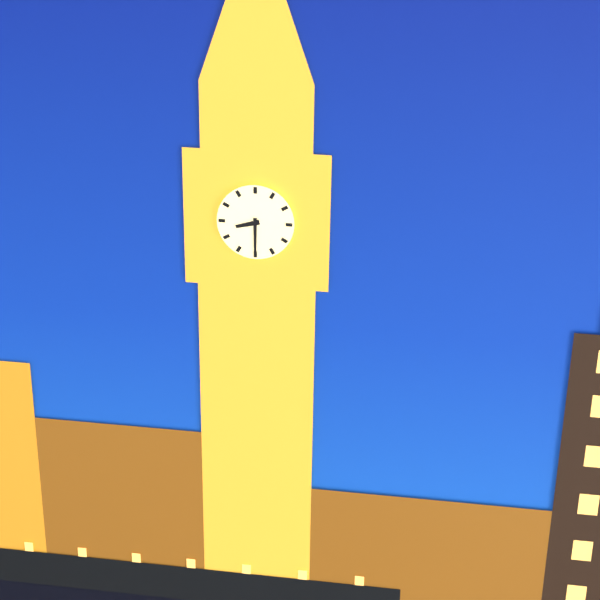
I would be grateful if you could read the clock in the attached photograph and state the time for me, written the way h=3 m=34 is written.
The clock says h=8 m=30
